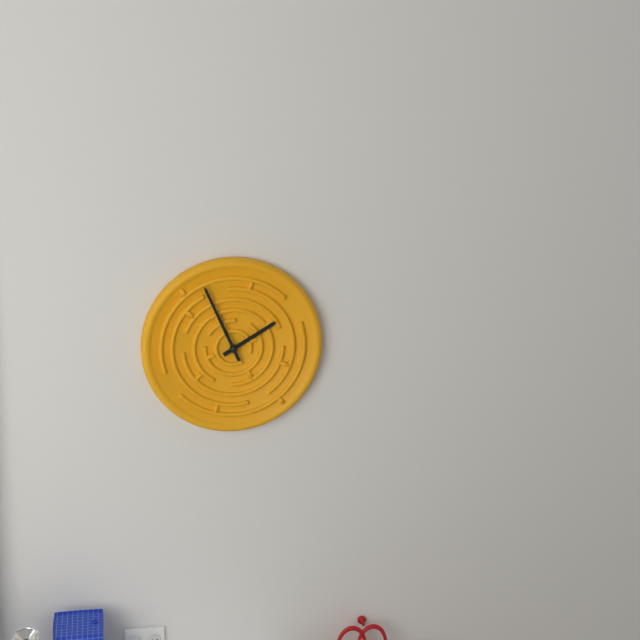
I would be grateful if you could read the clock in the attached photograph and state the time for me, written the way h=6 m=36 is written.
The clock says h=1 m=56
